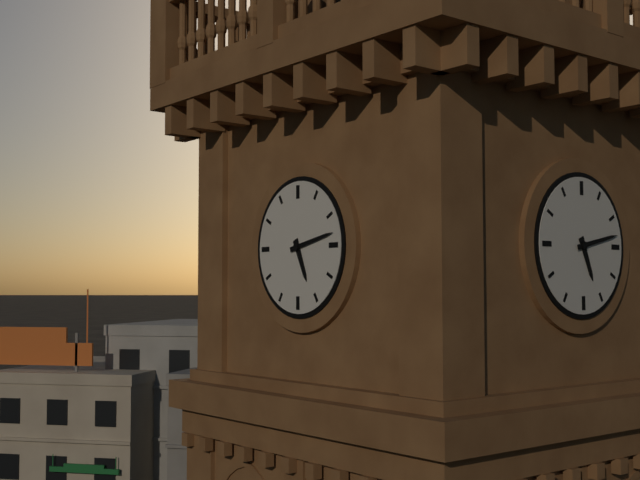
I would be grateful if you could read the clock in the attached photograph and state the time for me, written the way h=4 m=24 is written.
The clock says h=5 m=13
